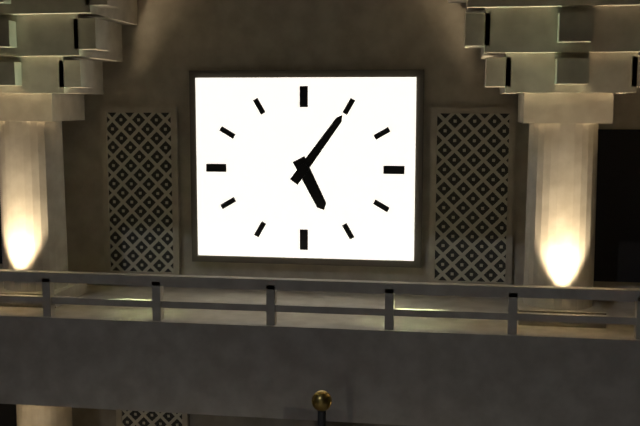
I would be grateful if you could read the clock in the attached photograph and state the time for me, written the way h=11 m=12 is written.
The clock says h=5 m=6
